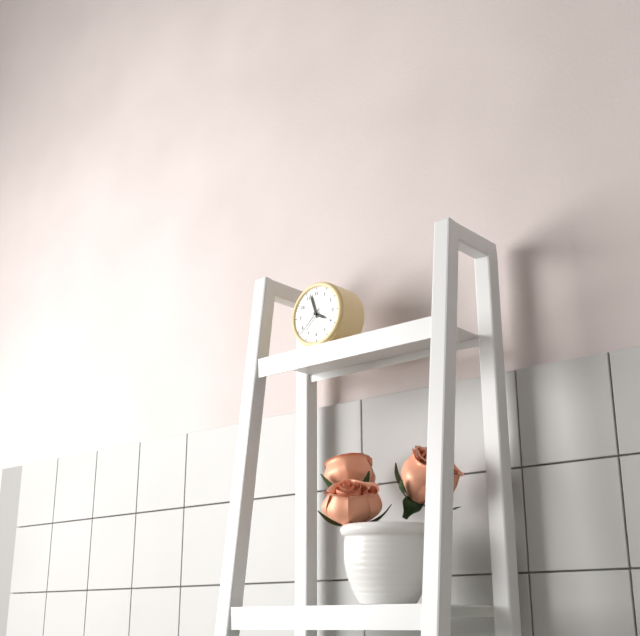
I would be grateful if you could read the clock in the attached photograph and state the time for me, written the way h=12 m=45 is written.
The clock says h=3 m=57
